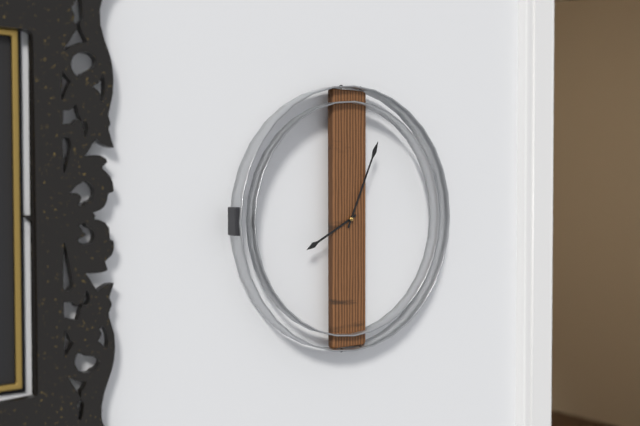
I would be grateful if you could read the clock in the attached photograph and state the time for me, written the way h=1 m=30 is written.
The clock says h=8 m=4
